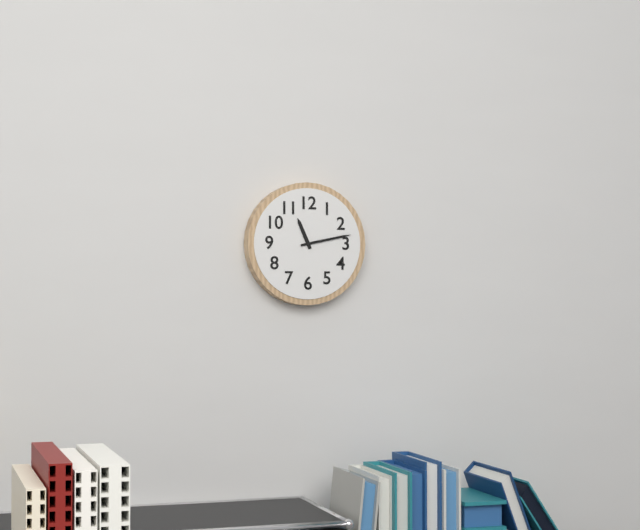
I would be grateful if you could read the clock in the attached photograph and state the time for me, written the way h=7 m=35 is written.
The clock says h=11 m=13
